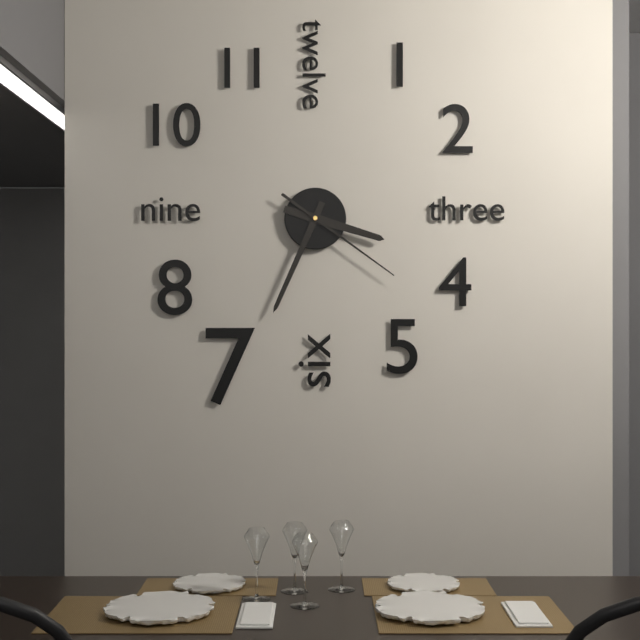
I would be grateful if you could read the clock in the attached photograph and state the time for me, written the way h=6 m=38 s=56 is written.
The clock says h=3 m=34 s=21
